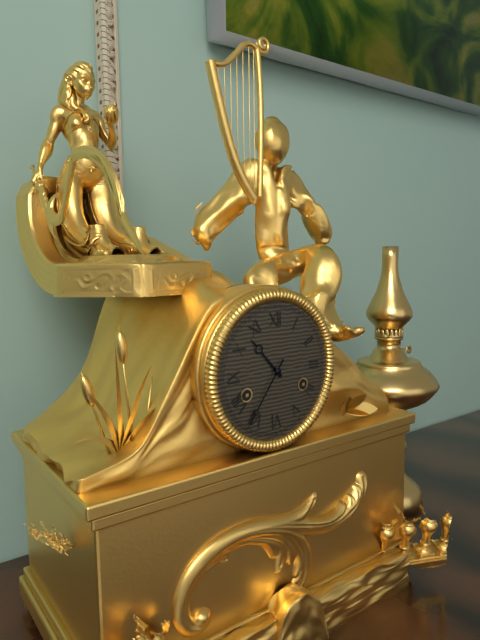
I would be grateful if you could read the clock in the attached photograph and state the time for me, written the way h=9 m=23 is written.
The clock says h=10 m=36
